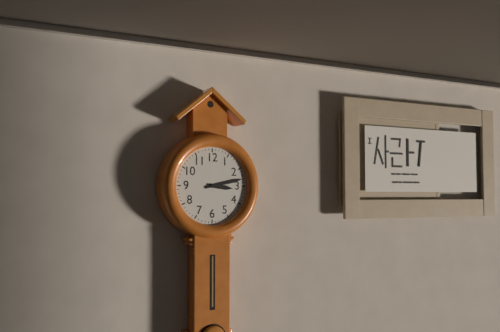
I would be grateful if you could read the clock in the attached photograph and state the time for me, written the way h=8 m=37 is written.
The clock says h=3 m=13
